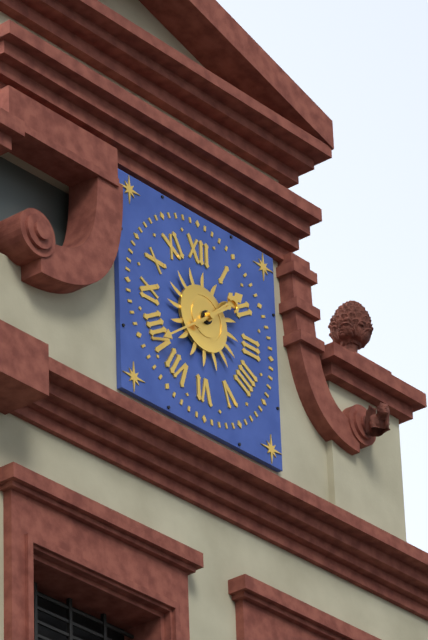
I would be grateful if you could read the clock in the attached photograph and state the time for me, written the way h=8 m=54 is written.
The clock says h=1 m=39
